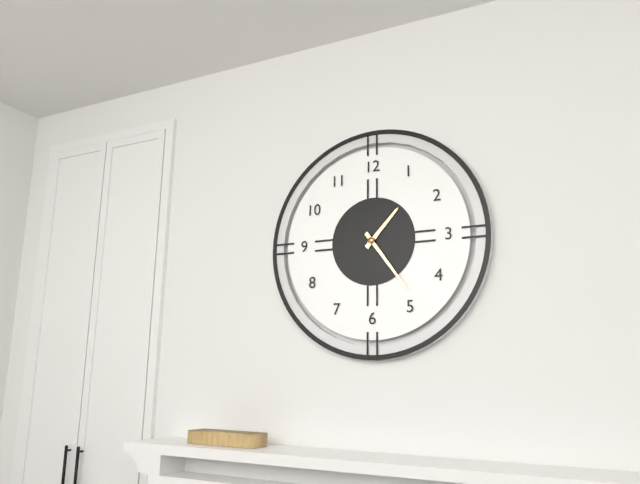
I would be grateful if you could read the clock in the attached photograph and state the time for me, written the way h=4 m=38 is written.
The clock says h=1 m=24
